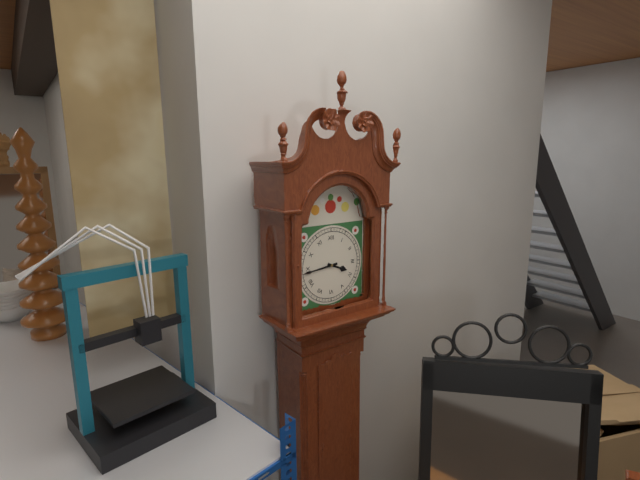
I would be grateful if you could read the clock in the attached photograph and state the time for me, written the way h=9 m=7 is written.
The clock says h=3 m=44
